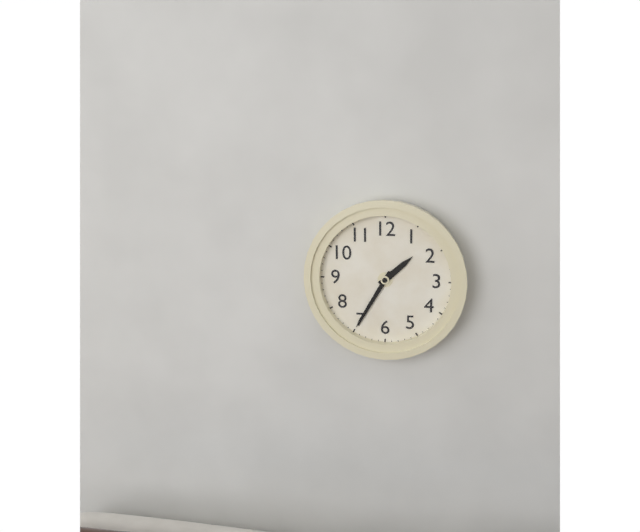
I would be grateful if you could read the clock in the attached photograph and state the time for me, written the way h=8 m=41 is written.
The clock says h=1 m=35
